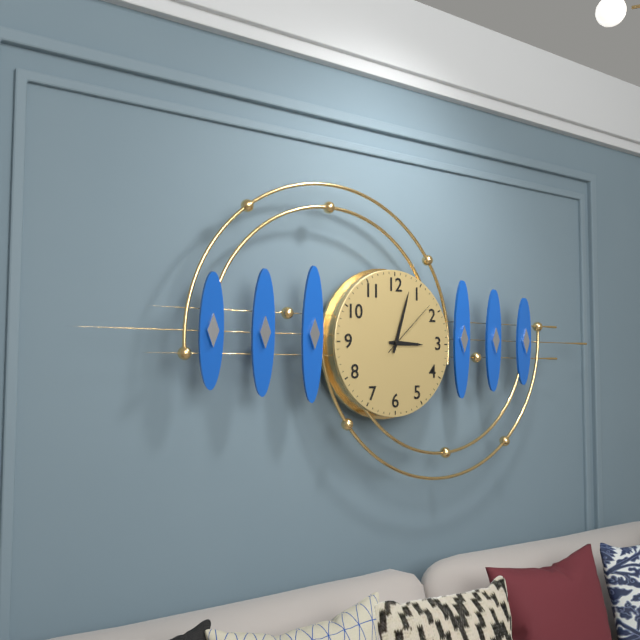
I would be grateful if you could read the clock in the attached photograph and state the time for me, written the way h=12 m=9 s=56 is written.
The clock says h=3 m=3 s=8
